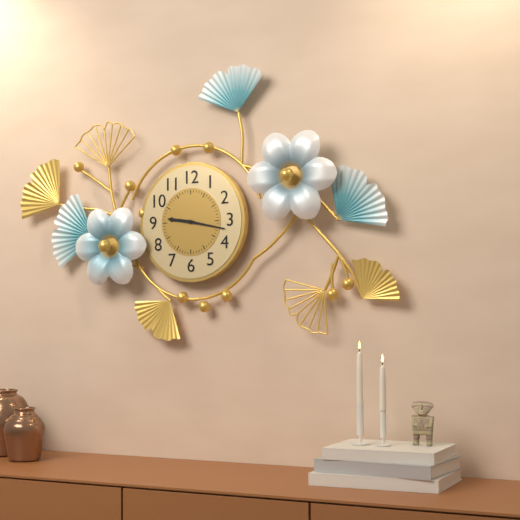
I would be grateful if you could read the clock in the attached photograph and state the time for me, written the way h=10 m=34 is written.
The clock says h=9 m=17
